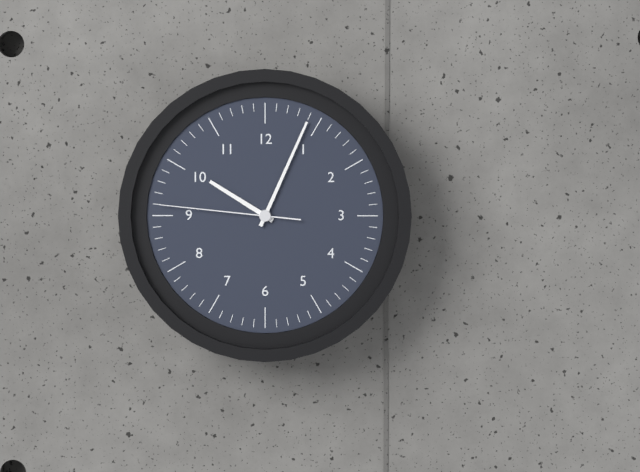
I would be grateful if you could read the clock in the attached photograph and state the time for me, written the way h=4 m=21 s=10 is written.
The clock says h=10 m=4 s=46
